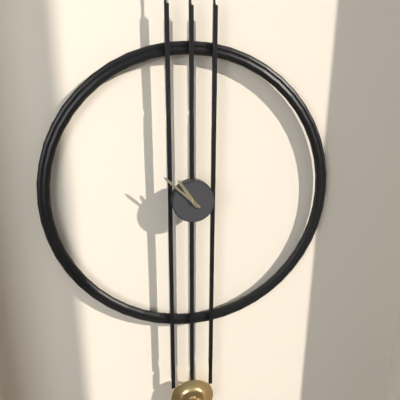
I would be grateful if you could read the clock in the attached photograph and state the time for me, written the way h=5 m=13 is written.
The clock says h=10 m=52
